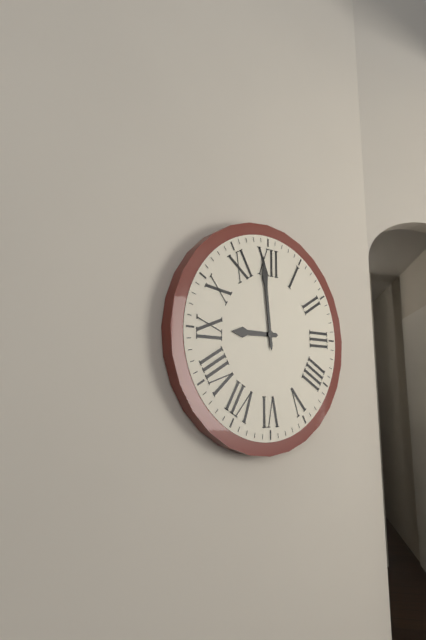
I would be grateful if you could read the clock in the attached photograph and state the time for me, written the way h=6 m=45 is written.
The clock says h=8 m=59
